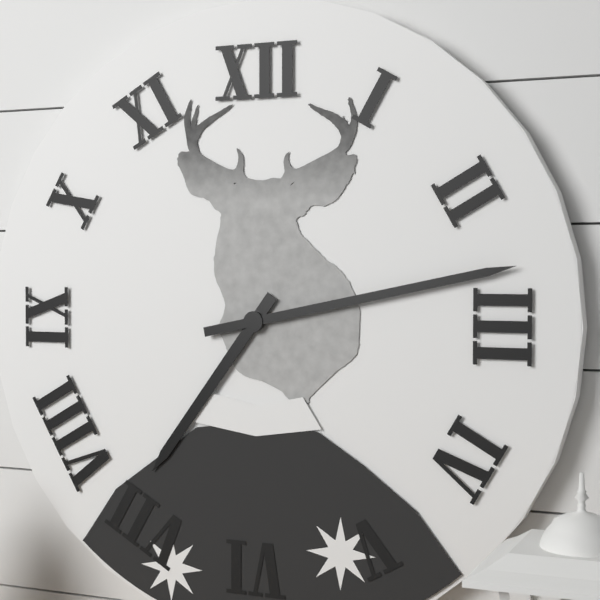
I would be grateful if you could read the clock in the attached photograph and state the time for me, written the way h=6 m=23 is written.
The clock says h=7 m=13
